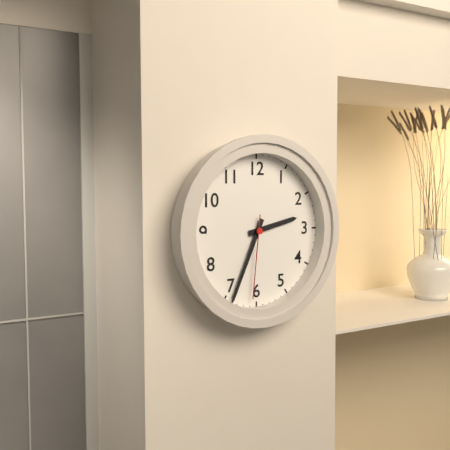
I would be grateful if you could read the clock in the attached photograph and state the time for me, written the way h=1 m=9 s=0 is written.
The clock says h=2 m=34 s=31
